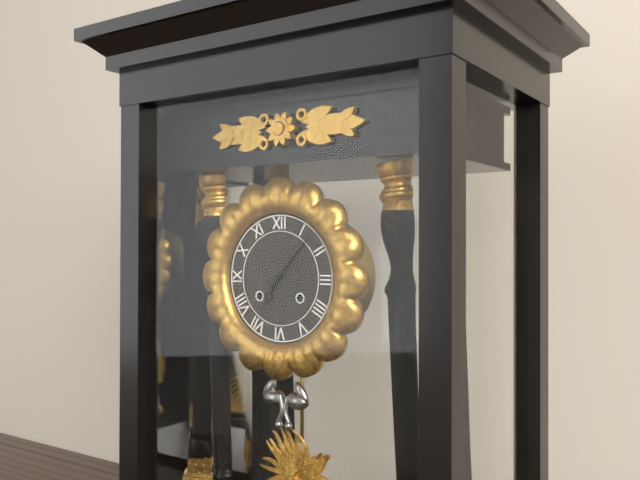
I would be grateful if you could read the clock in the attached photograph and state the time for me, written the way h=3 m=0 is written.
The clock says h=7 m=7
